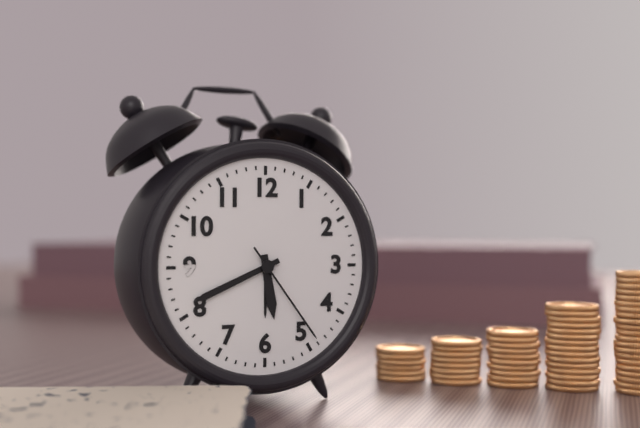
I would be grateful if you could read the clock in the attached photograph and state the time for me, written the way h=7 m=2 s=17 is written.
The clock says h=5 m=41 s=24
